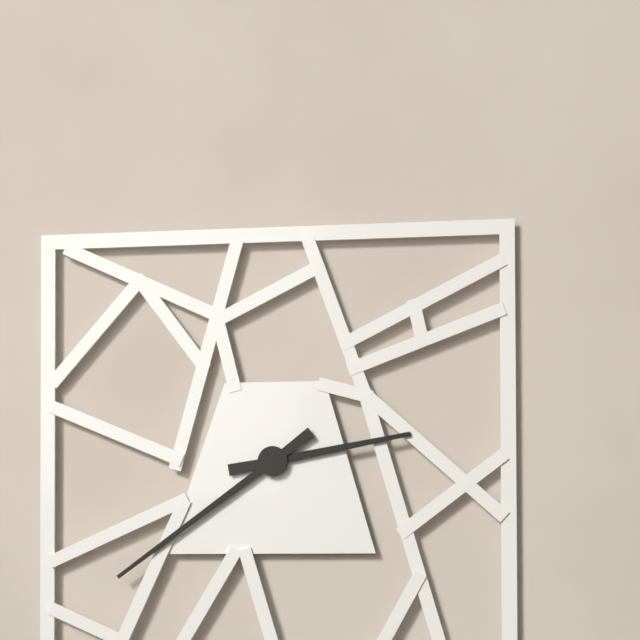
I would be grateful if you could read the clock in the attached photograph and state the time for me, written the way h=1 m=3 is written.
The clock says h=2 m=39
